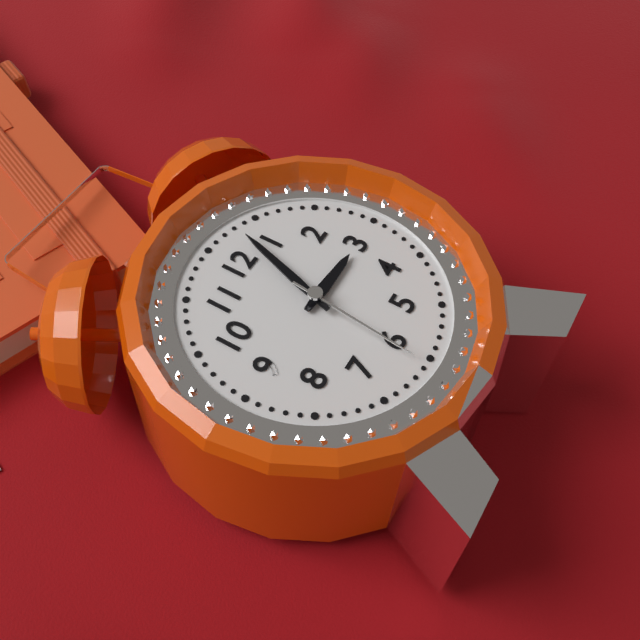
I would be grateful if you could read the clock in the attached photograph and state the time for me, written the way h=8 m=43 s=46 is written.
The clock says h=3 m=3 s=31
